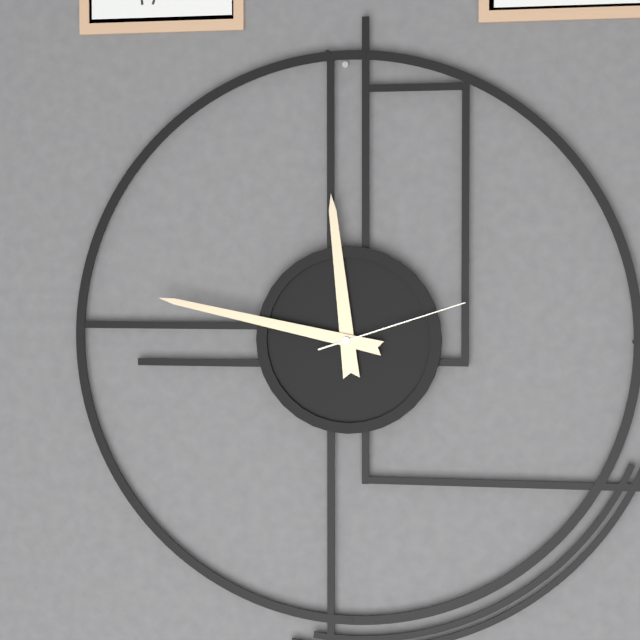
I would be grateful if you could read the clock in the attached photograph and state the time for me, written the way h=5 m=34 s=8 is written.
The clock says h=11 m=47 s=12
